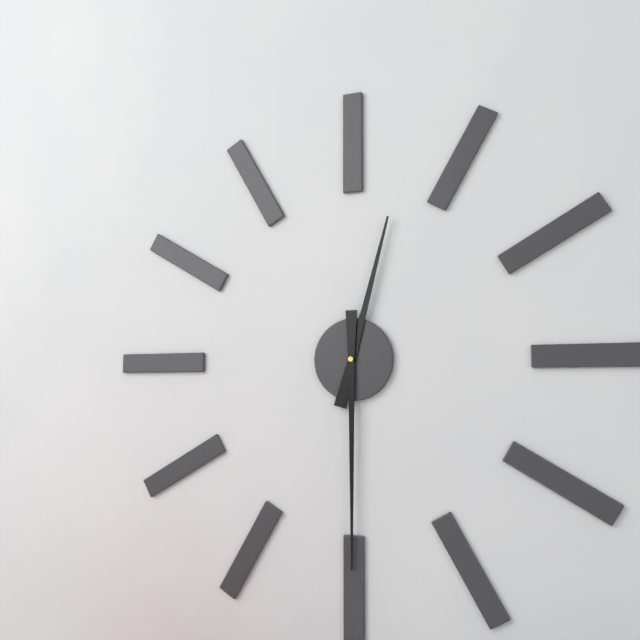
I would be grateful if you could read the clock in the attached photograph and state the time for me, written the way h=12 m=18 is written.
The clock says h=12 m=30
